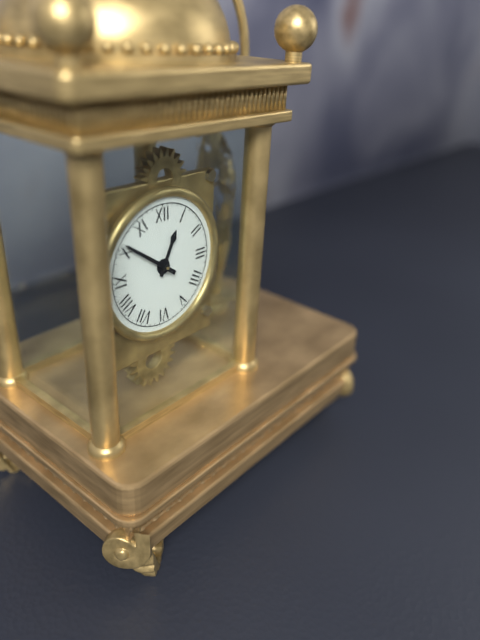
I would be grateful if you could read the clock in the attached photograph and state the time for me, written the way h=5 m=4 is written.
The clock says h=12 m=51
